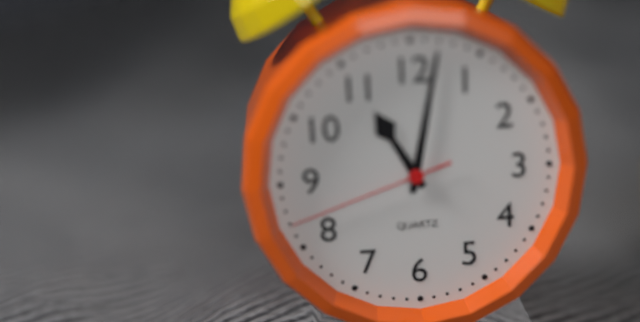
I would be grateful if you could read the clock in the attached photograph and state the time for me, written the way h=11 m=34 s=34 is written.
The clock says h=11 m=2 s=42
